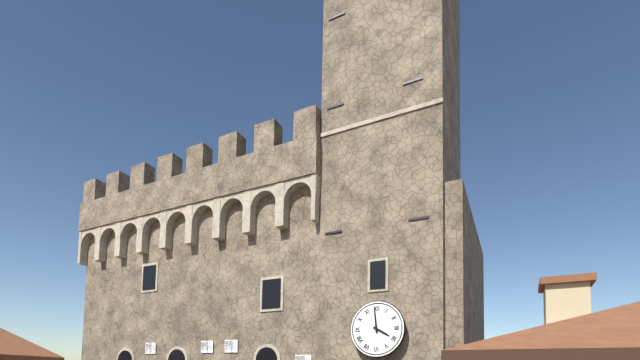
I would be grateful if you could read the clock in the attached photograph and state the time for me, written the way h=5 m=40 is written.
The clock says h=3 m=59
